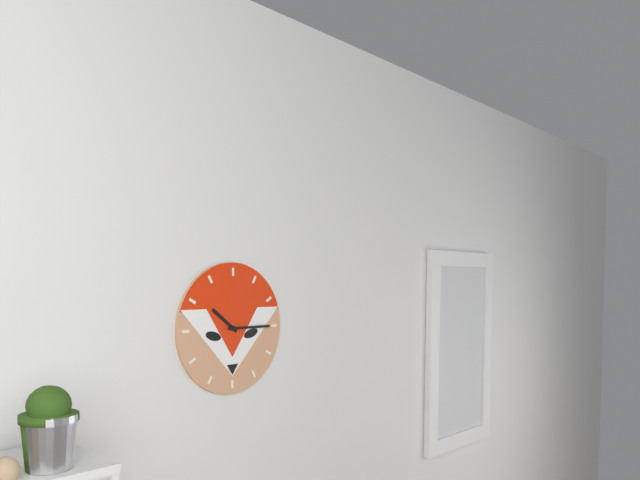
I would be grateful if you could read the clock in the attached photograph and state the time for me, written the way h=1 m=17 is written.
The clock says h=10 m=15
